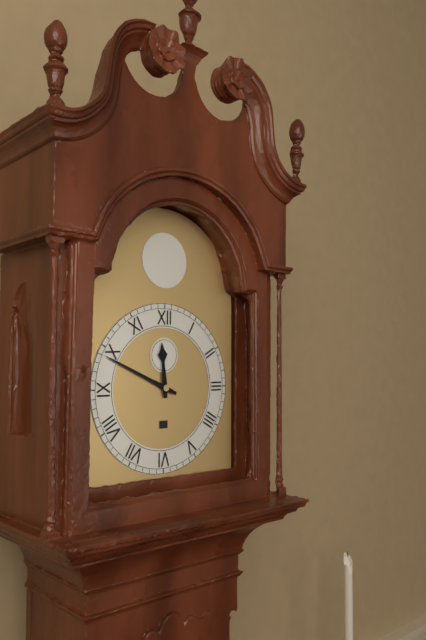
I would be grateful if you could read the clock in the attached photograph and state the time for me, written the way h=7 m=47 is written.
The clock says h=11 m=49
